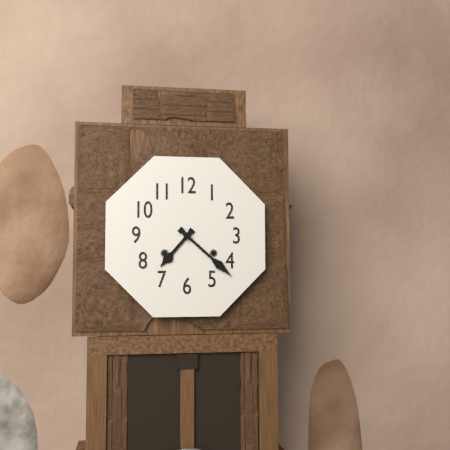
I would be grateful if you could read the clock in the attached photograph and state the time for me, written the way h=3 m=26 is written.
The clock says h=7 m=22
